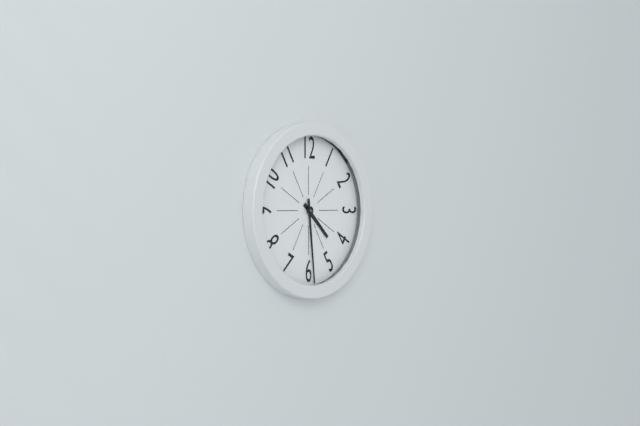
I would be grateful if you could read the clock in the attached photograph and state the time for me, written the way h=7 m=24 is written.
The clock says h=4 m=29
